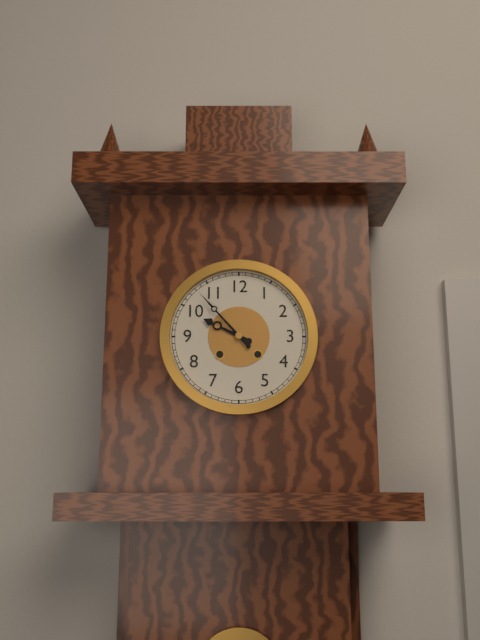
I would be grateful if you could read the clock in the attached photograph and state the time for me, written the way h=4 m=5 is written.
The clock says h=9 m=53
